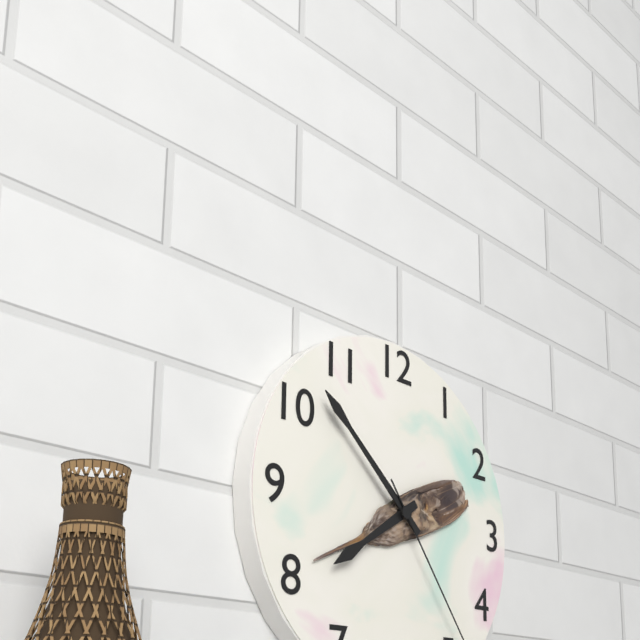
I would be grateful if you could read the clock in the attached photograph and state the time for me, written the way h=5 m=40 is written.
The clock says h=7 m=52
